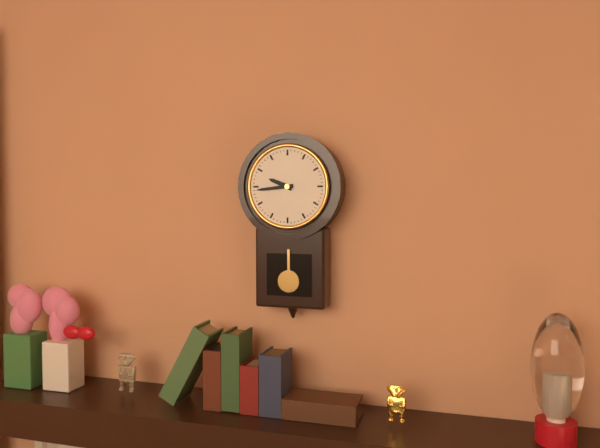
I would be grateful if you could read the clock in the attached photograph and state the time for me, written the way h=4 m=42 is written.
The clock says h=9 m=44
